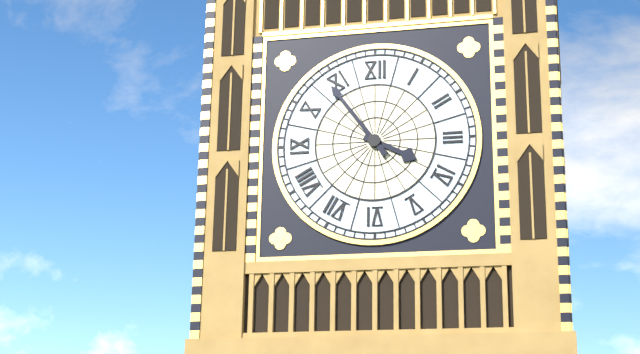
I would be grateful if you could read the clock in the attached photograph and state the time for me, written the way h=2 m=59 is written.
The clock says h=3 m=54
